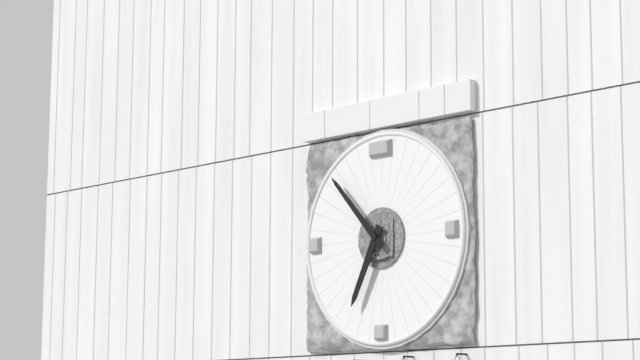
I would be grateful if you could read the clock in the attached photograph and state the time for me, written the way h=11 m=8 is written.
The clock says h=6 m=53
